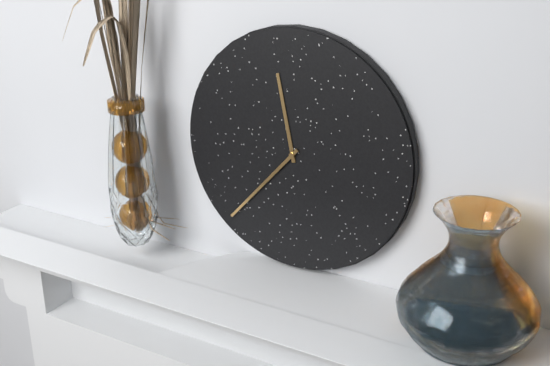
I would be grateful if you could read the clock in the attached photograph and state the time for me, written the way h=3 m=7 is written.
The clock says h=11 m=37
